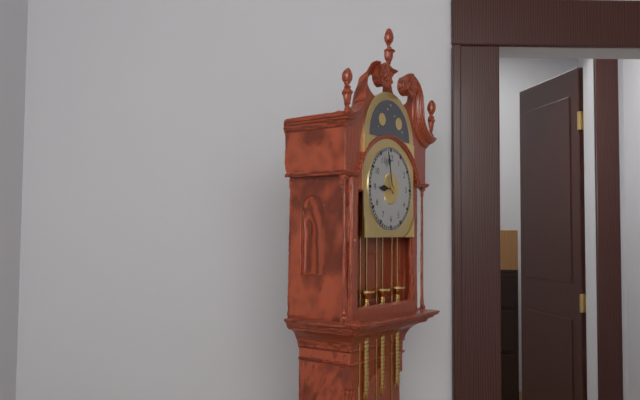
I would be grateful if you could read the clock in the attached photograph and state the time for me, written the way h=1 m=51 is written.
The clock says h=8 m=58
